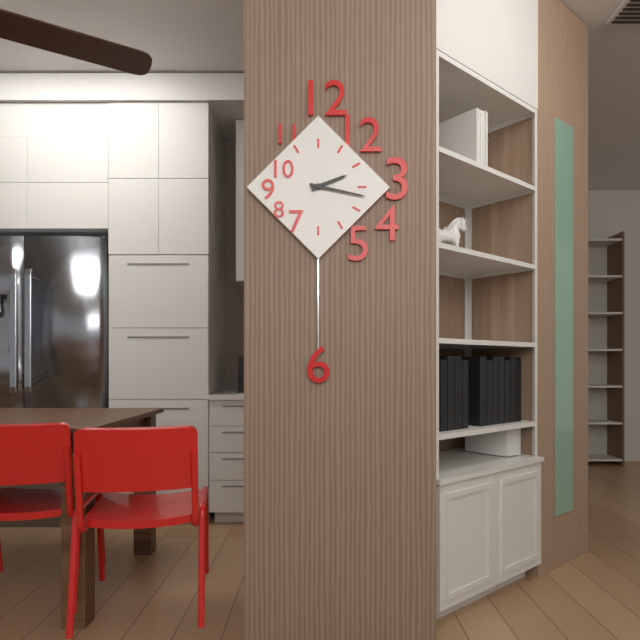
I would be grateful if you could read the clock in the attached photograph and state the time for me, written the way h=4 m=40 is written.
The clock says h=2 m=17
